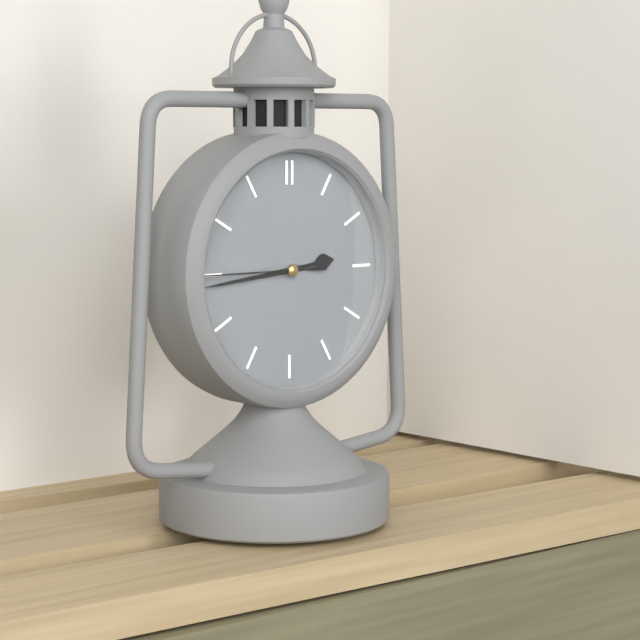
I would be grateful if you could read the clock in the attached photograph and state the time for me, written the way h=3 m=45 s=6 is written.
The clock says h=2 m=44 s=45
